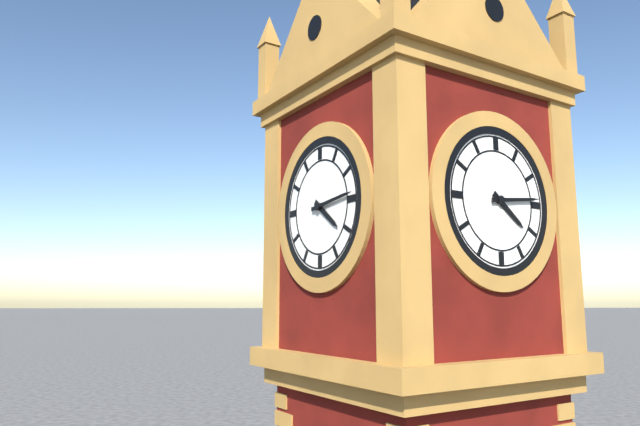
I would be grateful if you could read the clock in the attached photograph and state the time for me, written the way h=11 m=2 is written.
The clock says h=4 m=14
